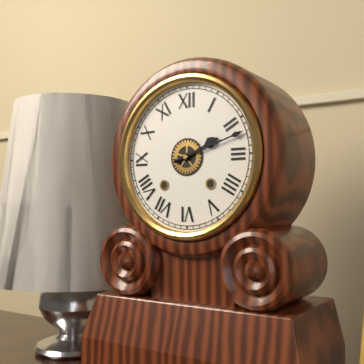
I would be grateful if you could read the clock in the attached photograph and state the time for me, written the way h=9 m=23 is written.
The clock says h=2 m=12
